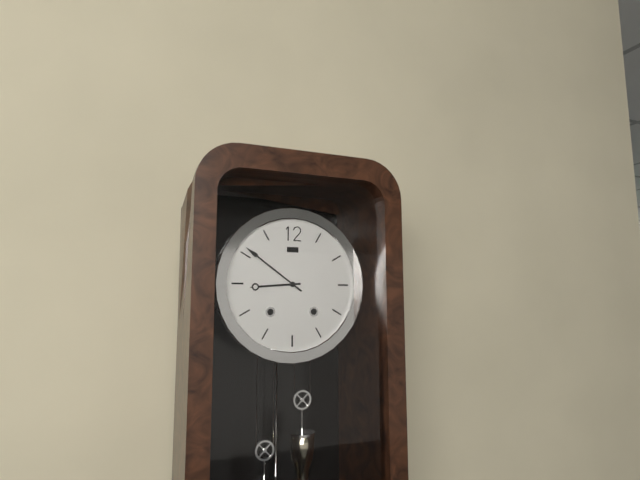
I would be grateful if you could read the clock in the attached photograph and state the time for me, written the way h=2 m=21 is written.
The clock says h=8 m=51
